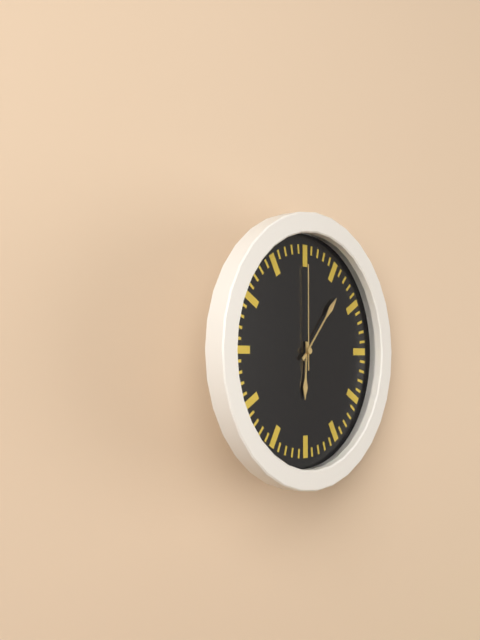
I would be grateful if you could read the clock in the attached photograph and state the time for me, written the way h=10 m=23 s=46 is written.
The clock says h=6 m=7 s=0
